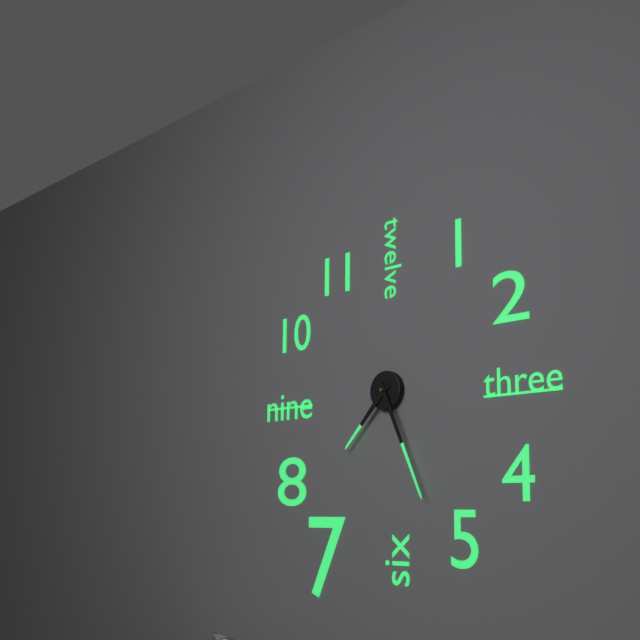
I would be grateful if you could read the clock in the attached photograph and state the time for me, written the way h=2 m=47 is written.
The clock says h=7 m=26
